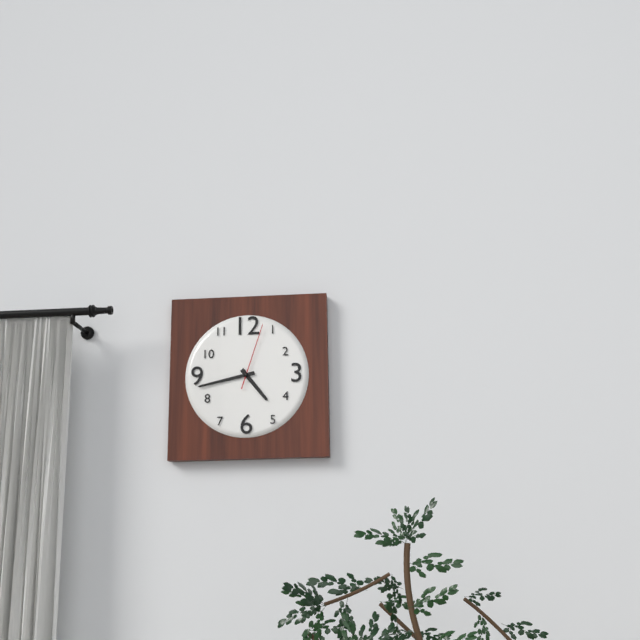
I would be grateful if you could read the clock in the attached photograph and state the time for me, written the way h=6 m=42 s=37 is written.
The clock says h=4 m=43 s=3
